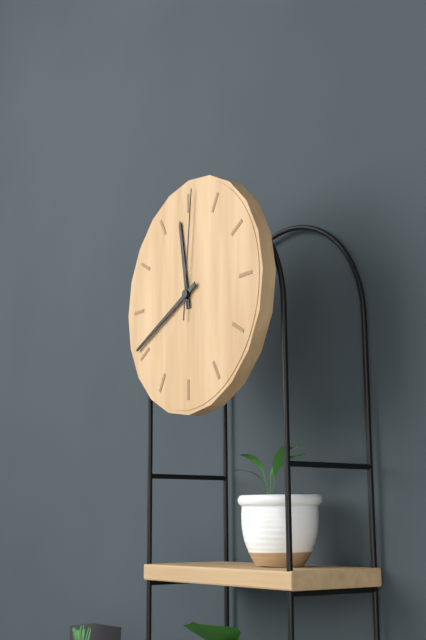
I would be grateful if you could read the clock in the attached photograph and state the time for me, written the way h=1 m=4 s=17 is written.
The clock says h=11 m=41 s=1
